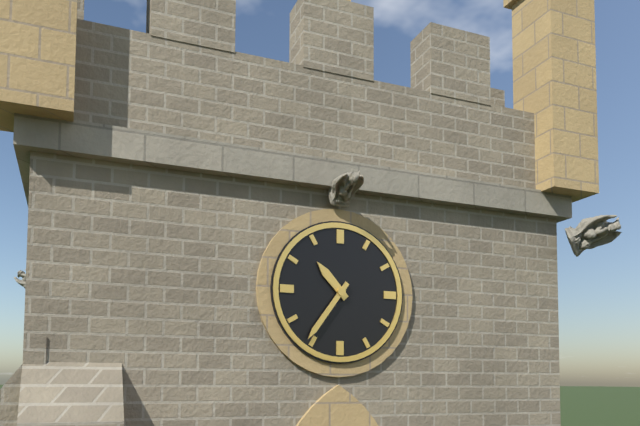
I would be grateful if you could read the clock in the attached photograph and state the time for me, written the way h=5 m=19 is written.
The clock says h=10 m=36
